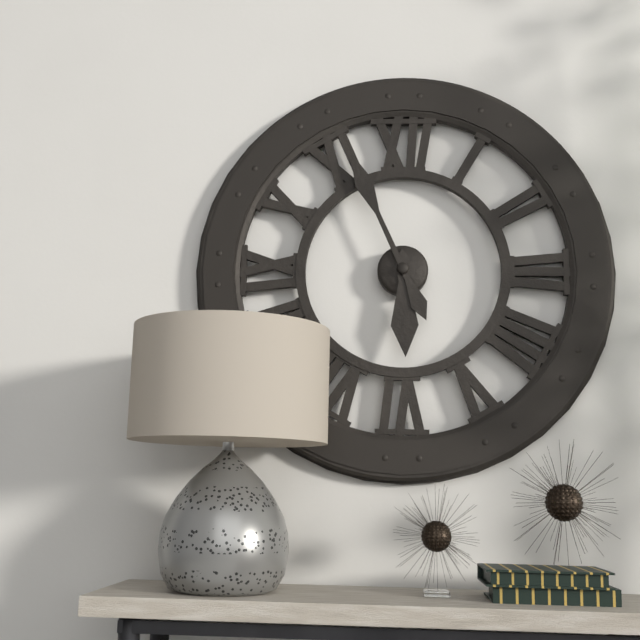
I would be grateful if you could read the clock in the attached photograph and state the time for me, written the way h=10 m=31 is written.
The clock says h=5 m=56
